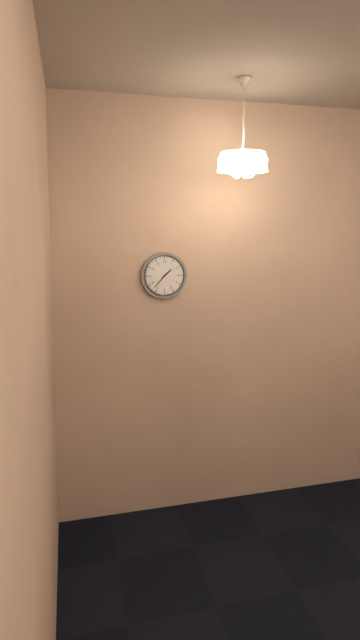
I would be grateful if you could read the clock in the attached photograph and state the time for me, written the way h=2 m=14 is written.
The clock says h=1 m=37
